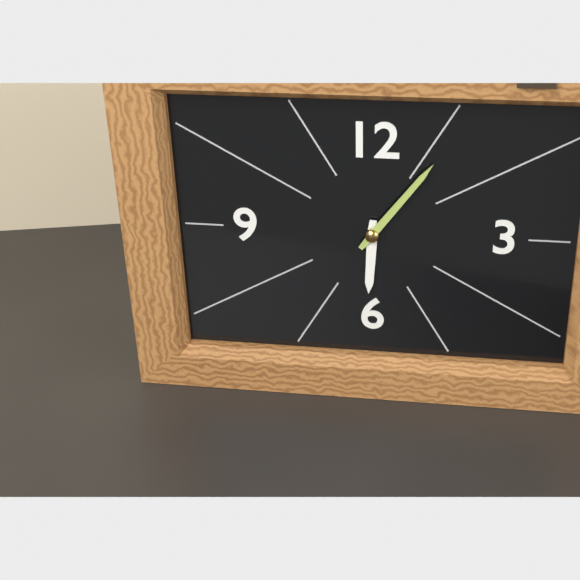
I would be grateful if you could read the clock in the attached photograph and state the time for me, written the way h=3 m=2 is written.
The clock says h=6 m=6
